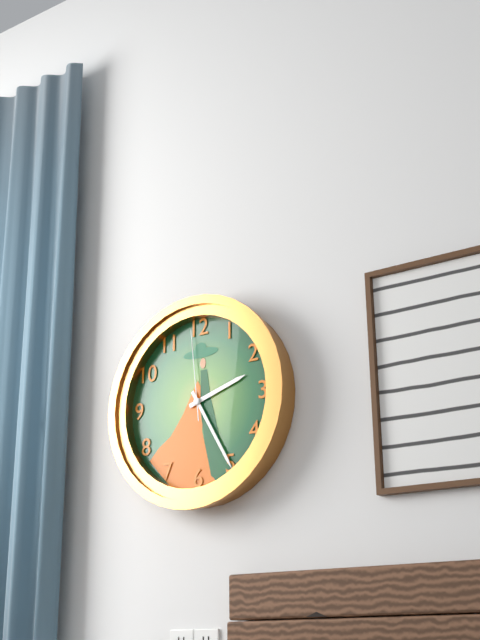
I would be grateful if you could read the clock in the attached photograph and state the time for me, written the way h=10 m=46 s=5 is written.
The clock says h=2 m=25 s=59
